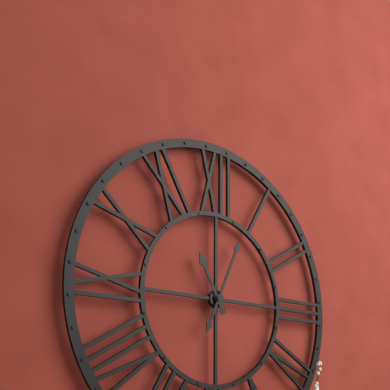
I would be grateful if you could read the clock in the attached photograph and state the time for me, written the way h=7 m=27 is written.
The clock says h=11 m=4
